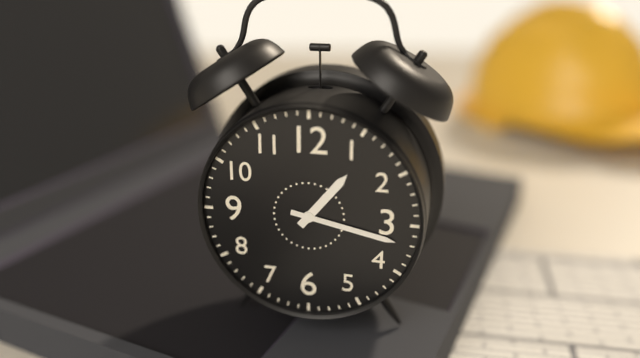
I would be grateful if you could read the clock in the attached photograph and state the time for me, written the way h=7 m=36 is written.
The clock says h=1 m=17
